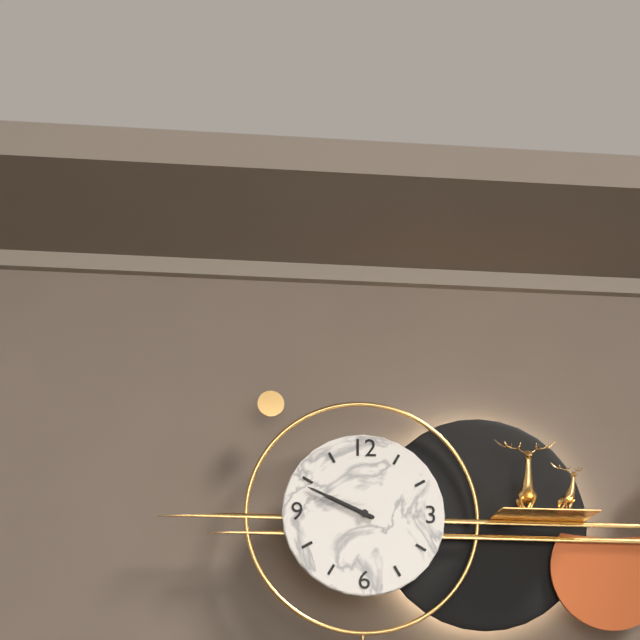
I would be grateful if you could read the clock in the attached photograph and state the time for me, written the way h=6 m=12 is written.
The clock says h=9 m=49
